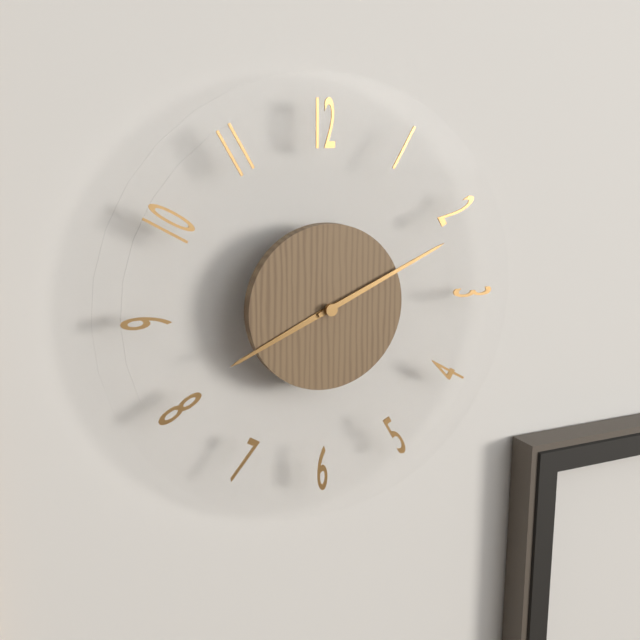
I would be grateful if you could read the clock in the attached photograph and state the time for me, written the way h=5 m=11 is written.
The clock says h=8 m=11
